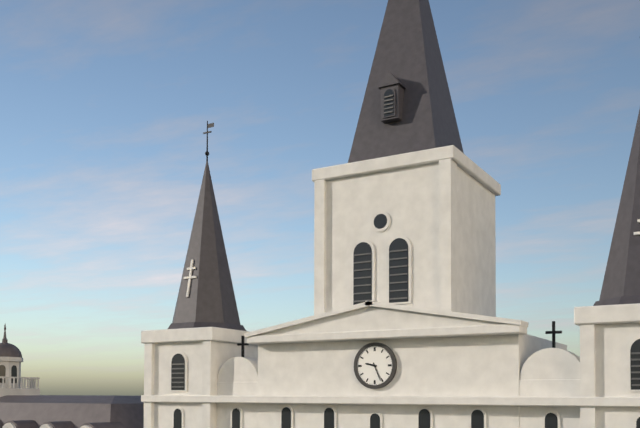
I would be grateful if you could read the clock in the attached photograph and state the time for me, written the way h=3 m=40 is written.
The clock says h=9 m=26
